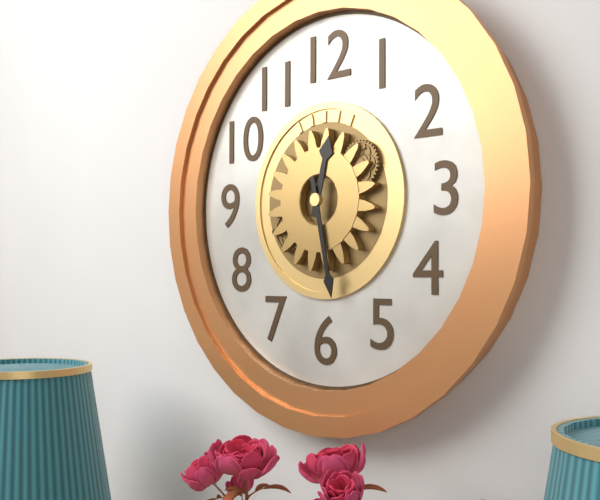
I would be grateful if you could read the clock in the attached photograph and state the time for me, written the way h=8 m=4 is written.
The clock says h=12 m=28
